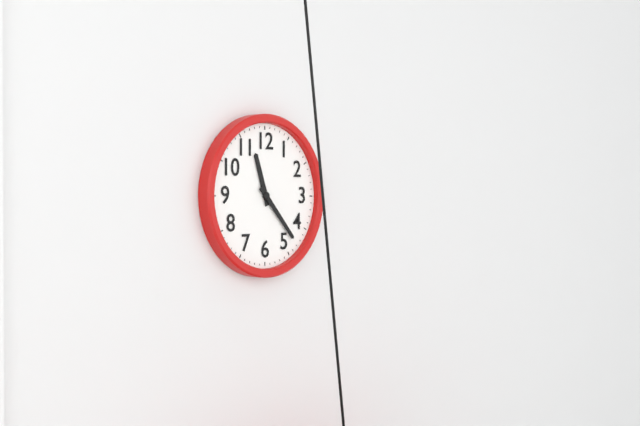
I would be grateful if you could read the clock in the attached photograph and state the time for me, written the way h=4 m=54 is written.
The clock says h=11 m=23
